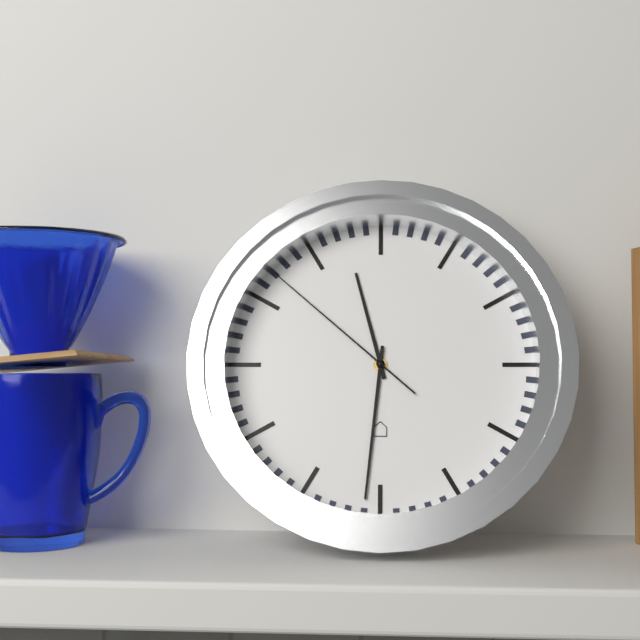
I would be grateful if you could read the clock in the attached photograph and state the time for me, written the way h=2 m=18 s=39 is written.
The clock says h=11 m=31 s=52
